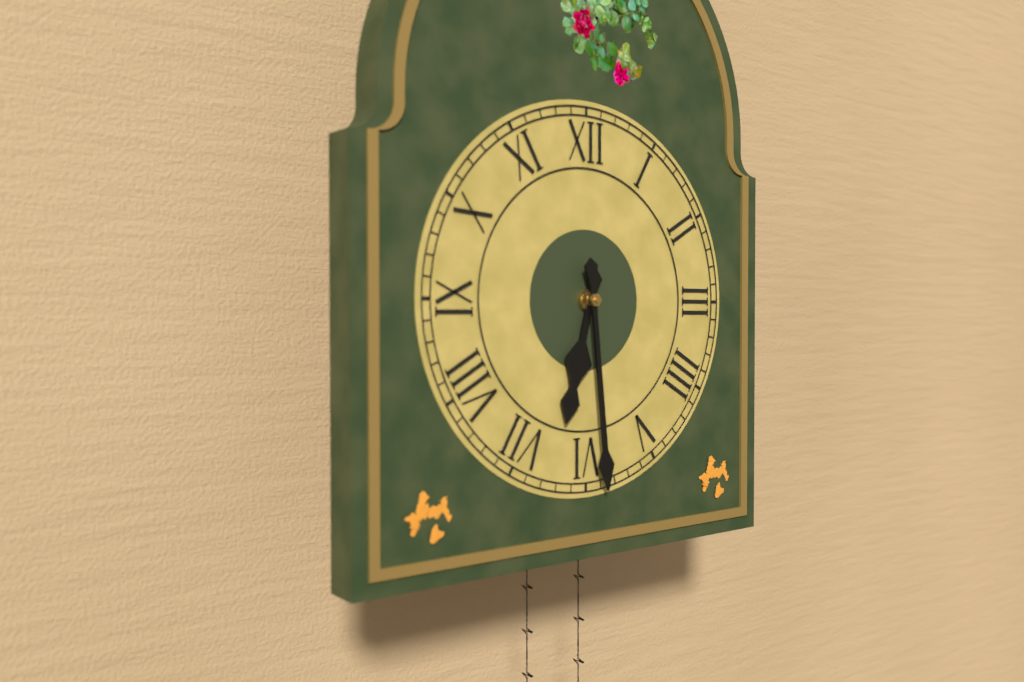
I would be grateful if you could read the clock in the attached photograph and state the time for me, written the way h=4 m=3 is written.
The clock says h=6 m=29
